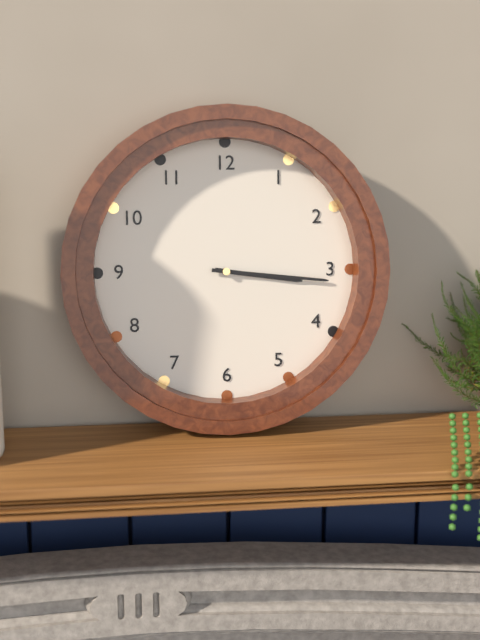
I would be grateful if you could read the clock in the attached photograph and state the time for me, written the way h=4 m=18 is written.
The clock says h=3 m=16
